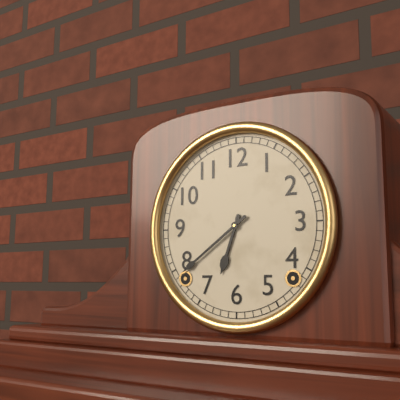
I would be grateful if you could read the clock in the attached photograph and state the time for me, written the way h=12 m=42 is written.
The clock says h=6 m=39
